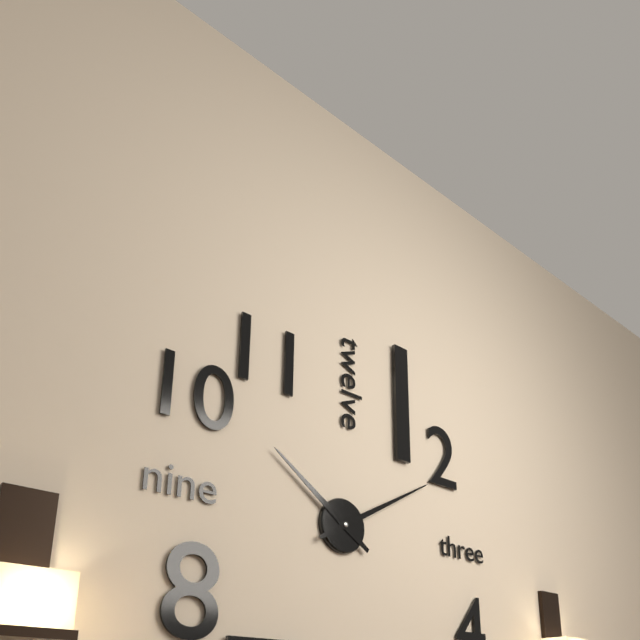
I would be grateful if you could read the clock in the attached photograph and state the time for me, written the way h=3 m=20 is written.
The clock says h=10 m=10
